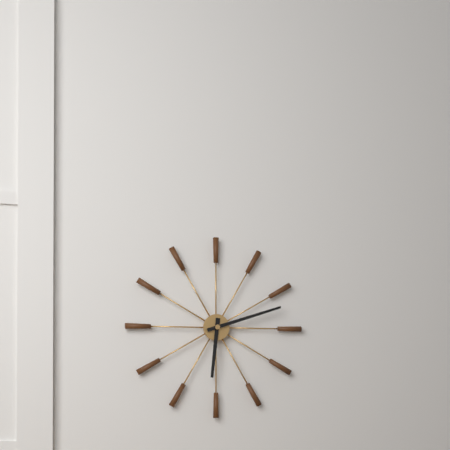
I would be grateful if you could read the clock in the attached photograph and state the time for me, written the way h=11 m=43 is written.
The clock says h=6 m=12
